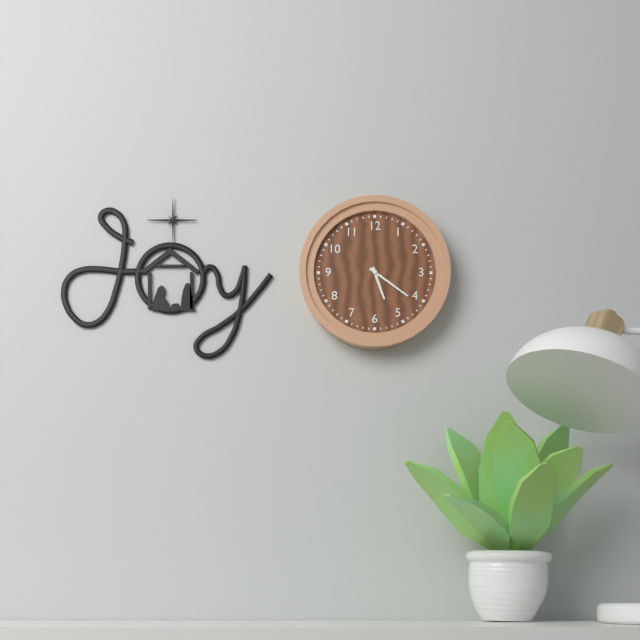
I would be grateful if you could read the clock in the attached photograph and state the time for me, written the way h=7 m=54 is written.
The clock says h=5 m=21
